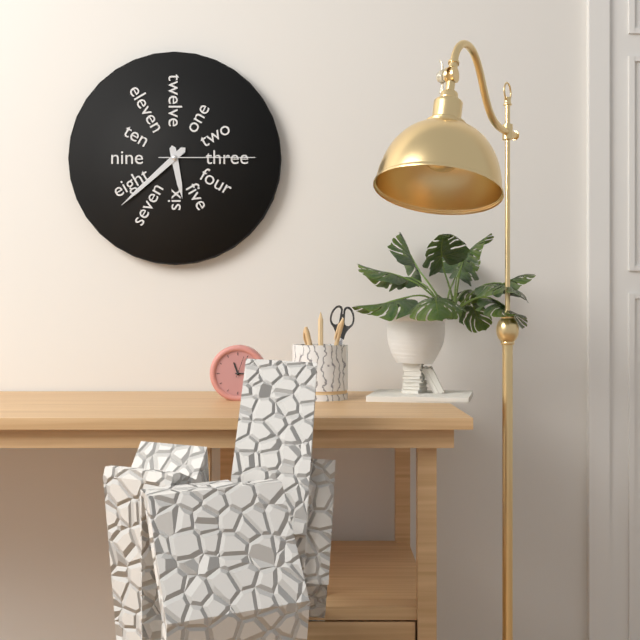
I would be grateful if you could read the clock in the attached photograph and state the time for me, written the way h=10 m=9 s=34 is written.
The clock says h=5 m=38 s=15
